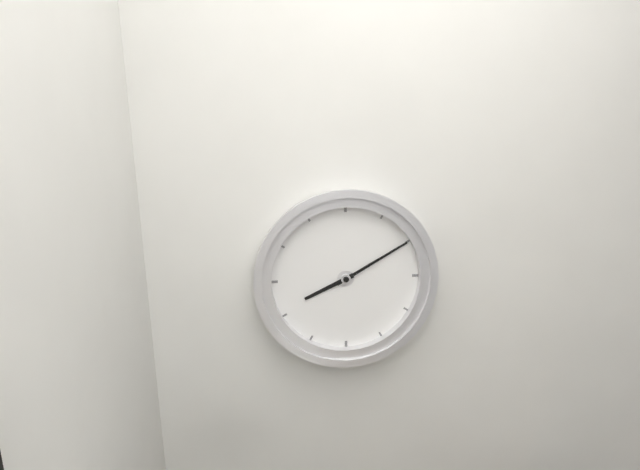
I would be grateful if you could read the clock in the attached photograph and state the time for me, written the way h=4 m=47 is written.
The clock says h=8 m=10
